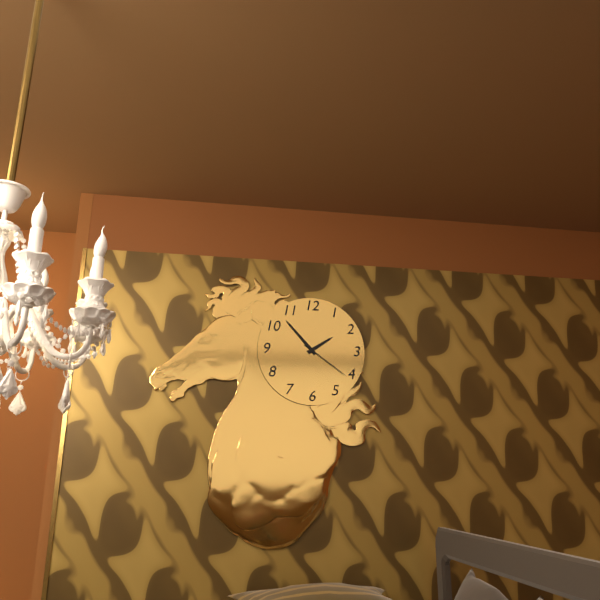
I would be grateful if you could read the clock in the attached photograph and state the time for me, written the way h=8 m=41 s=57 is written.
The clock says h=1 m=53 s=21
